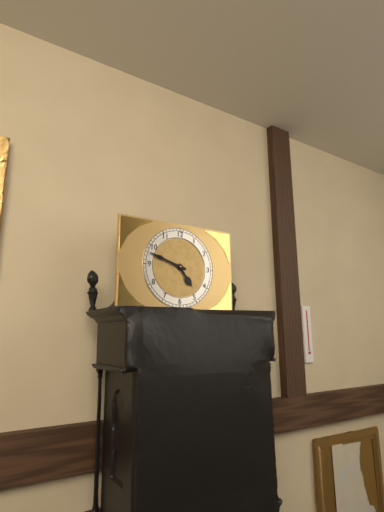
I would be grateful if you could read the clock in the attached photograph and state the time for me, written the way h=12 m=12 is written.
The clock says h=4 m=48
